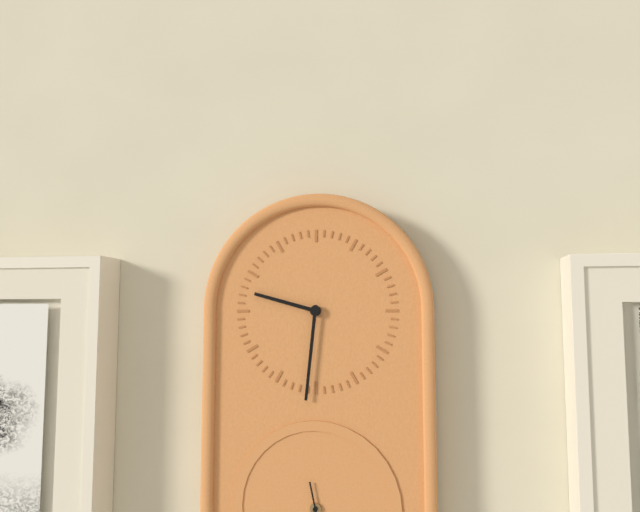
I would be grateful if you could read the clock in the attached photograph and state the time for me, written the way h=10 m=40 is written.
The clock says h=9 m=31
